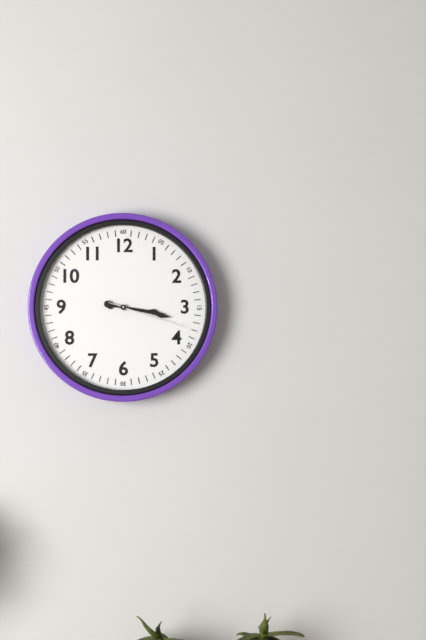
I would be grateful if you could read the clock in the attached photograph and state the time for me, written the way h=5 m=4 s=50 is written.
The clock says h=3 m=17 s=18
